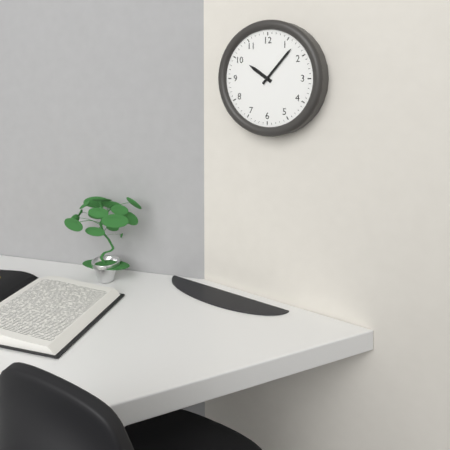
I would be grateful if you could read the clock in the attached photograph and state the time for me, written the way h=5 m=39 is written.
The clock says h=10 m=7
